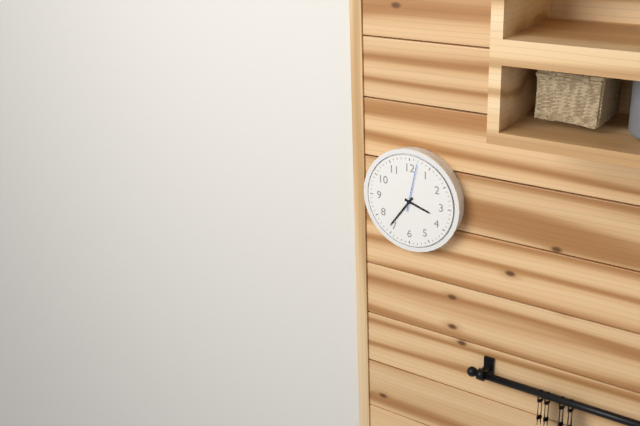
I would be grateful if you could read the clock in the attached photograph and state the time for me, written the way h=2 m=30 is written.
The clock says h=3 m=36
